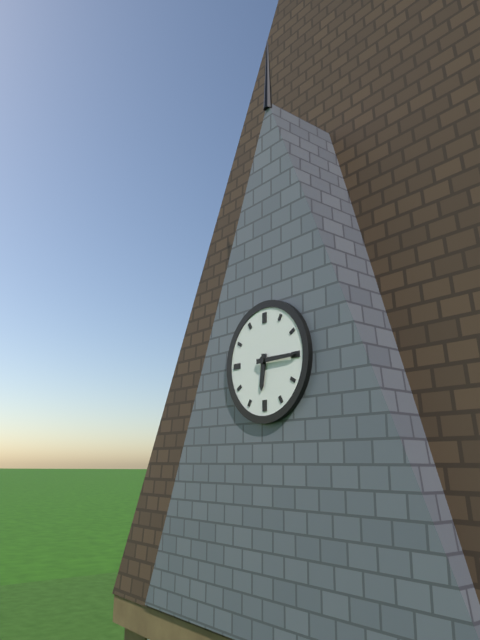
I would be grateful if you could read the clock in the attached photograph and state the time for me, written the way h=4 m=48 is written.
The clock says h=6 m=15
